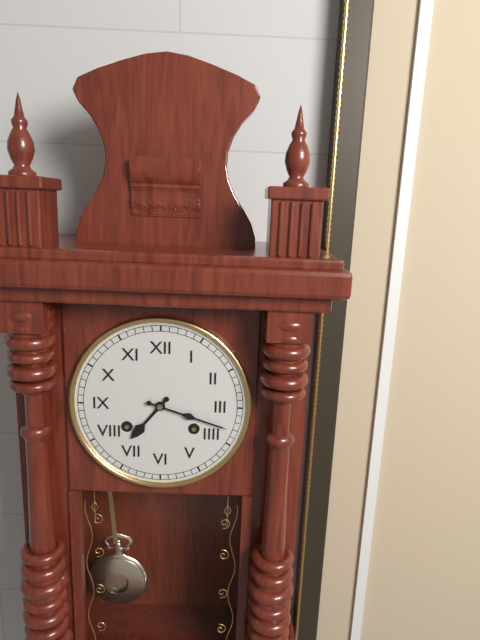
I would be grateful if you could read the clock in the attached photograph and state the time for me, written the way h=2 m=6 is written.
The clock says h=7 m=18
